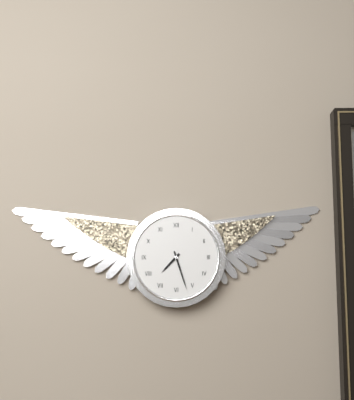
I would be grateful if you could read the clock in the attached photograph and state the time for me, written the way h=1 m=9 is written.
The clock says h=7 m=27
